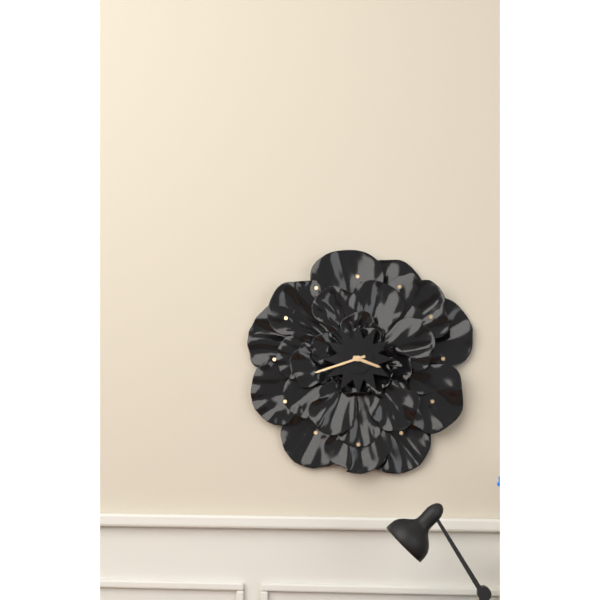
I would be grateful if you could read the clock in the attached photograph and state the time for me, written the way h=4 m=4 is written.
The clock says h=3 m=42
